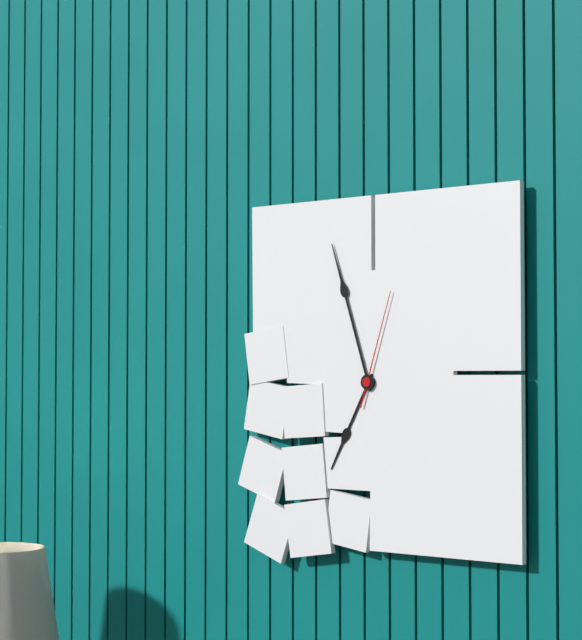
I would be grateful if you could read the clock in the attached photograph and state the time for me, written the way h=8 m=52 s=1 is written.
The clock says h=6 m=57 s=3
